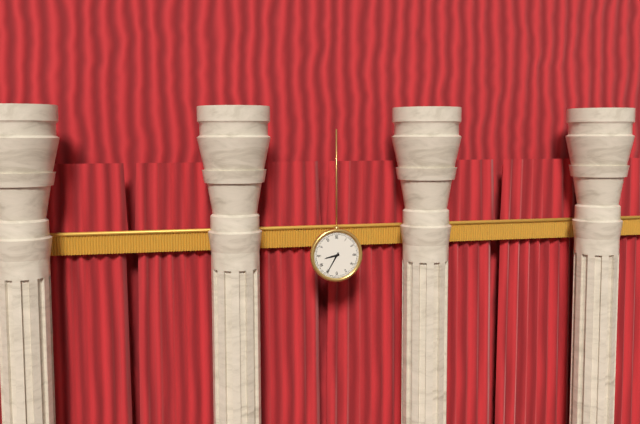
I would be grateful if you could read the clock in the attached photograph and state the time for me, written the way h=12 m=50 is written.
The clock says h=8 m=35
